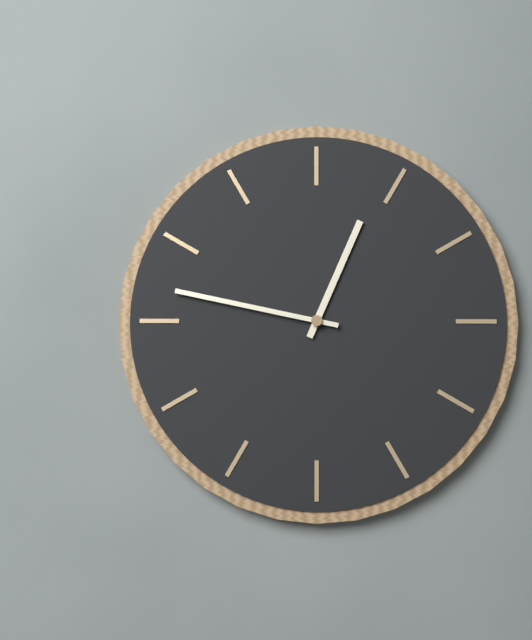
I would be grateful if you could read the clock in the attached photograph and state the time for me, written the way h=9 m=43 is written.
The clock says h=12 m=47
